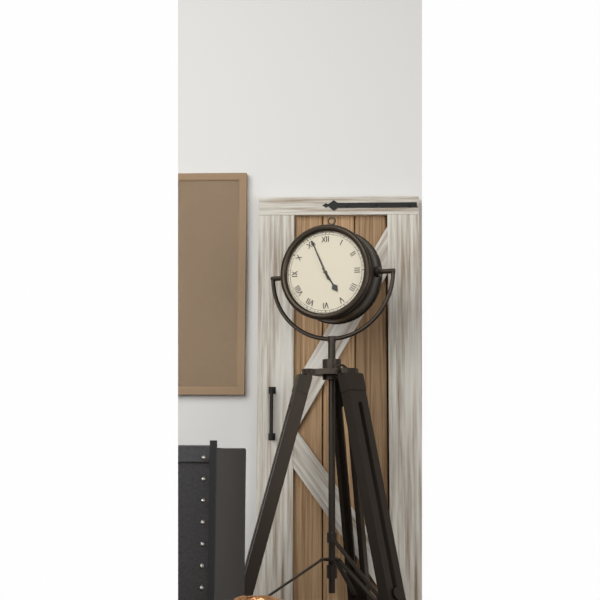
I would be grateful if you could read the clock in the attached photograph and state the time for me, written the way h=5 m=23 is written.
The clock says h=4 m=56
